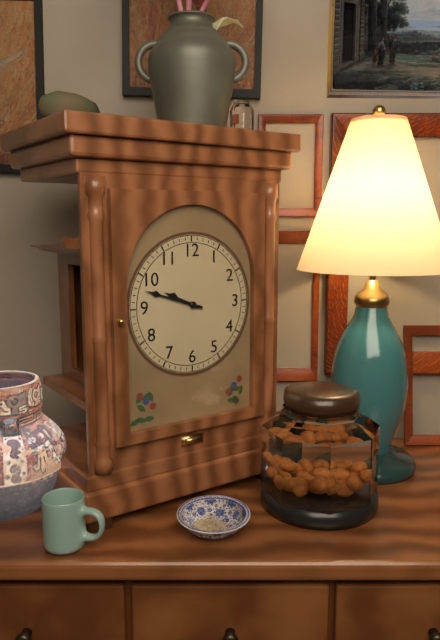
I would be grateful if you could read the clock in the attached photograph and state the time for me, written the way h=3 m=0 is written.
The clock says h=9 m=48
